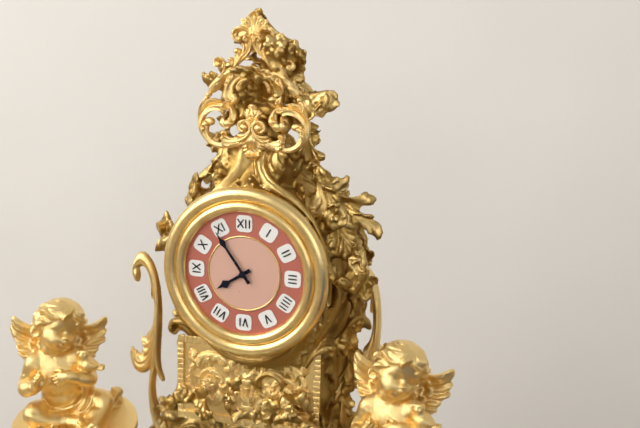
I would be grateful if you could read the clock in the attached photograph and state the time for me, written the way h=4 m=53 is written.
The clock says h=7 m=54
